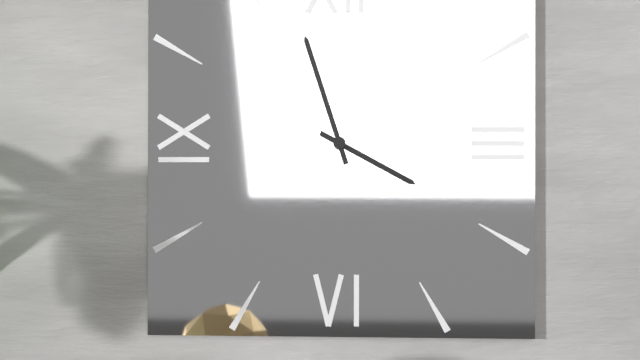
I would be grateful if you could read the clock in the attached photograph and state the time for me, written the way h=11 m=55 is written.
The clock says h=3 m=57
